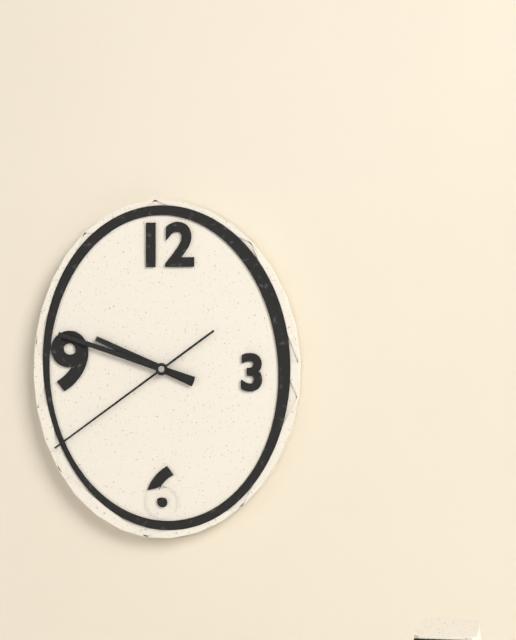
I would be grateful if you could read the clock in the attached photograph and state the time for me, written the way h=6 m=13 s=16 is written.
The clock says h=9 m=48 s=39
